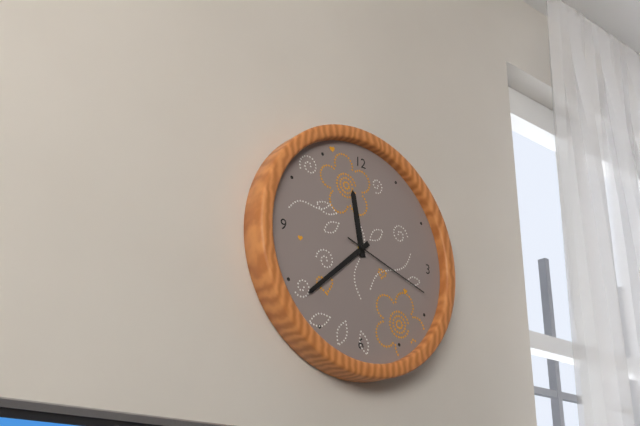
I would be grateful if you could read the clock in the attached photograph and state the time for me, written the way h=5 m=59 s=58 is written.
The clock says h=11 m=38 s=18
